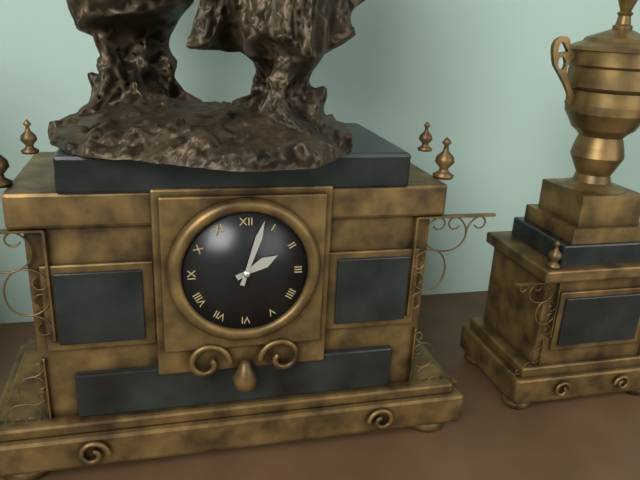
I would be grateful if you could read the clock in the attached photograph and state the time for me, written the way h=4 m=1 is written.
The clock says h=2 m=3
